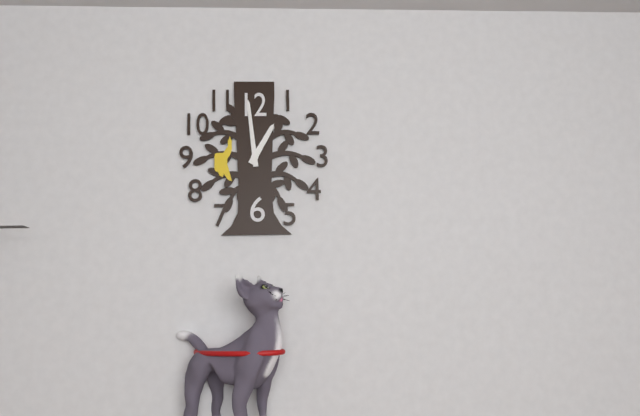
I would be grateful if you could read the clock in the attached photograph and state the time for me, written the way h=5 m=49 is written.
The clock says h=12 m=59
